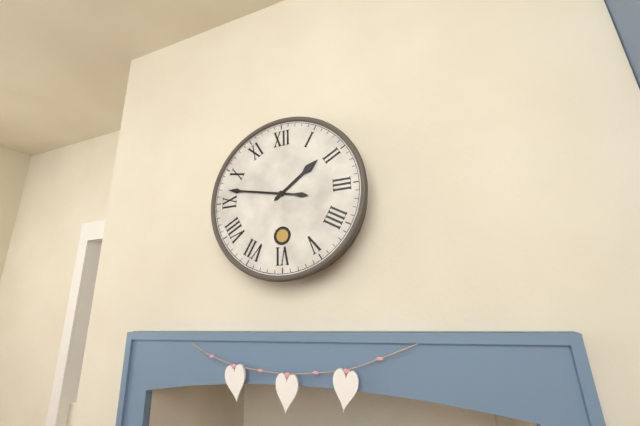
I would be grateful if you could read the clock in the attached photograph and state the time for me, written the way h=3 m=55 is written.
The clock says h=1 m=47
